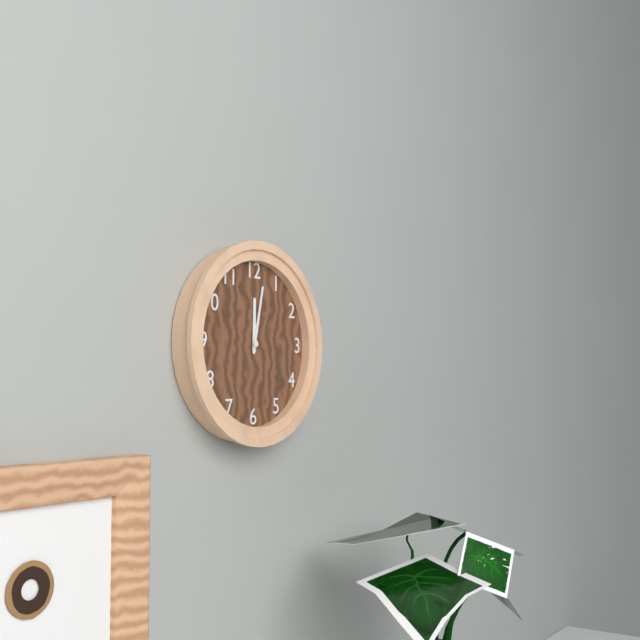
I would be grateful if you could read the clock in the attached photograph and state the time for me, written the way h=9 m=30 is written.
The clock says h=12 m=2
